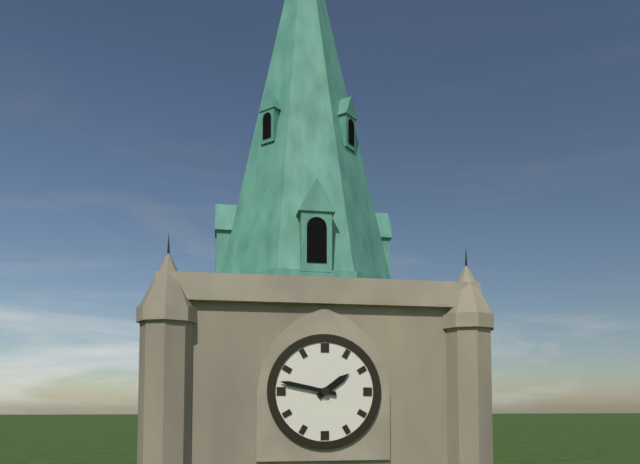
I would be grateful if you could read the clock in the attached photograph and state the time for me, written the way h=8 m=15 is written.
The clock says h=1 m=47
